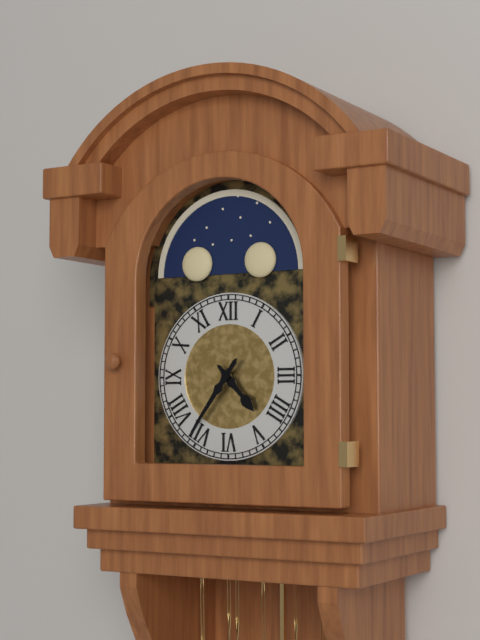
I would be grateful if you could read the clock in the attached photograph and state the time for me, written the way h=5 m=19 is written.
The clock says h=4 m=36
